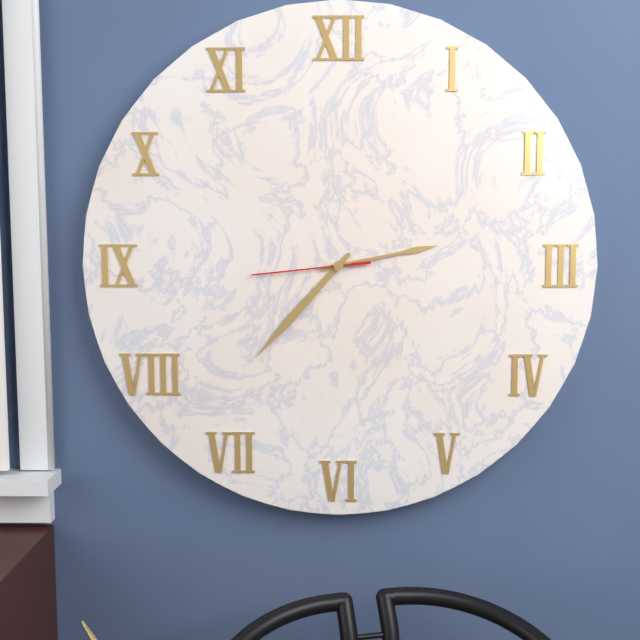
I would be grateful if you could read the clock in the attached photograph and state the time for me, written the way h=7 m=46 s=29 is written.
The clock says h=2 m=37 s=44
